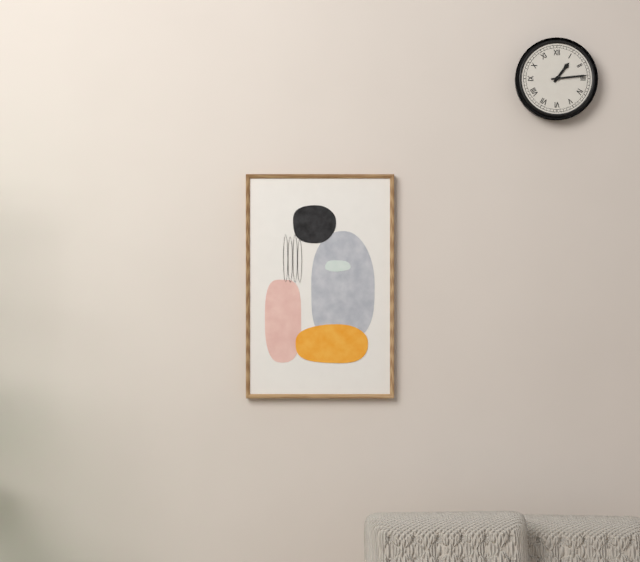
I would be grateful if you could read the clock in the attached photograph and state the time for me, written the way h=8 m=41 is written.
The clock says h=1 m=14
